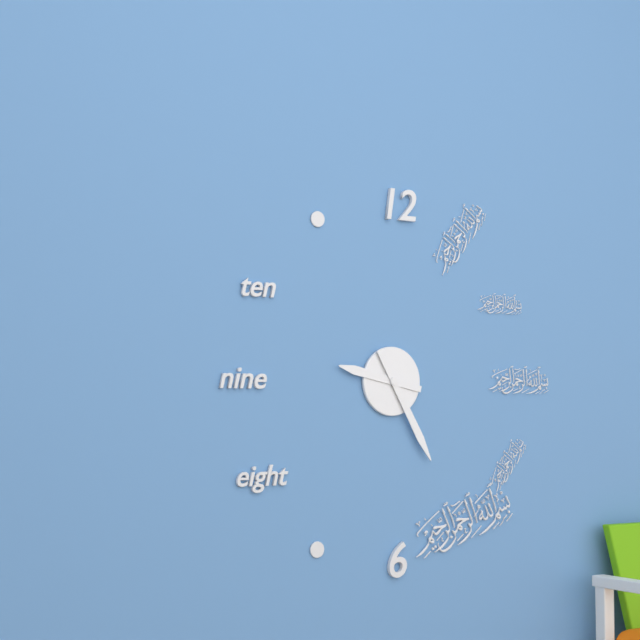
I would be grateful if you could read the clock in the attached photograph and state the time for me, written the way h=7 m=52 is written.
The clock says h=9 m=25
